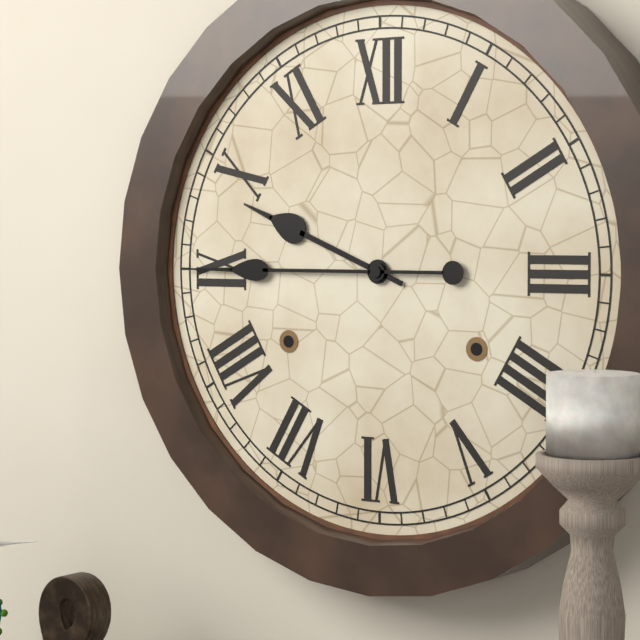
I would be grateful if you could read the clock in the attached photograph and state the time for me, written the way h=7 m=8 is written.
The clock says h=9 m=45
